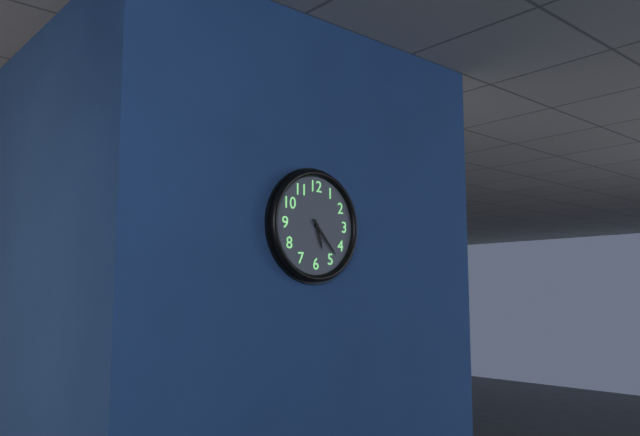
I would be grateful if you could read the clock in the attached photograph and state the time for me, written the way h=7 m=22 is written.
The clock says h=5 m=23
